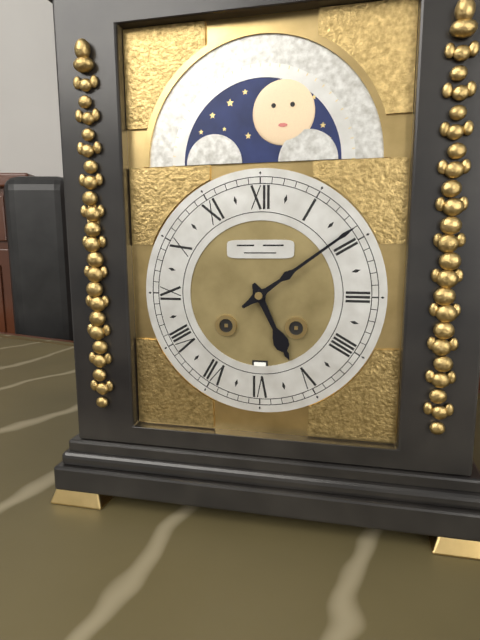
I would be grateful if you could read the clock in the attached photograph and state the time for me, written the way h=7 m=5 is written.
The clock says h=5 m=9
